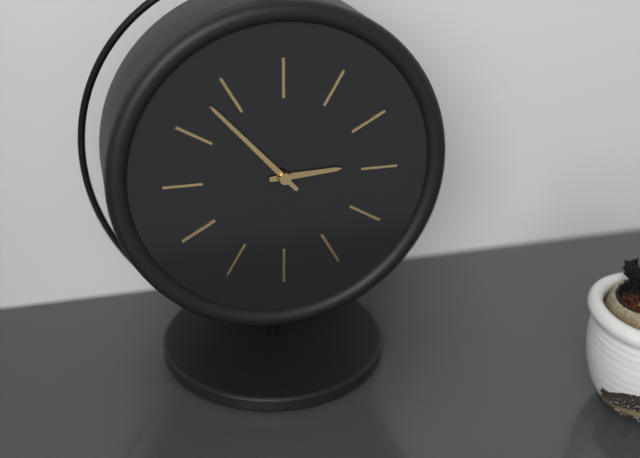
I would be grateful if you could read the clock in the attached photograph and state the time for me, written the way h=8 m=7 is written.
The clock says h=2 m=53
